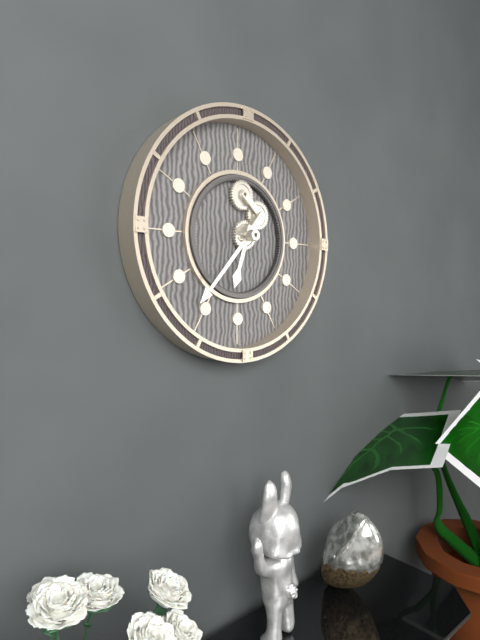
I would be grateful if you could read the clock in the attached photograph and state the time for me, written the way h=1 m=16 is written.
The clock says h=6 m=37
